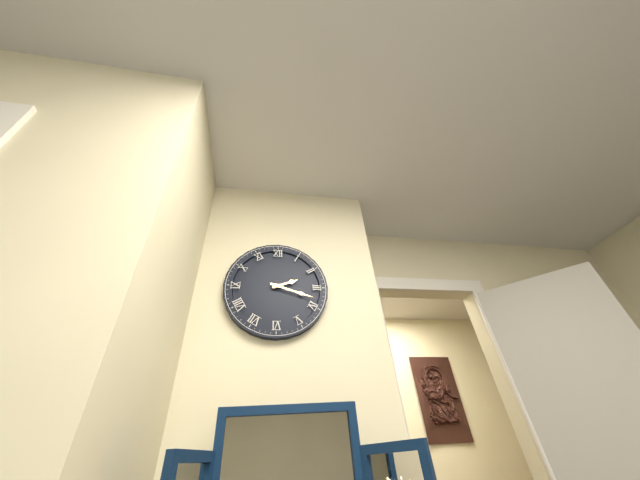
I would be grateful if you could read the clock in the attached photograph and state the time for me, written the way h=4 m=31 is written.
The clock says h=2 m=18
